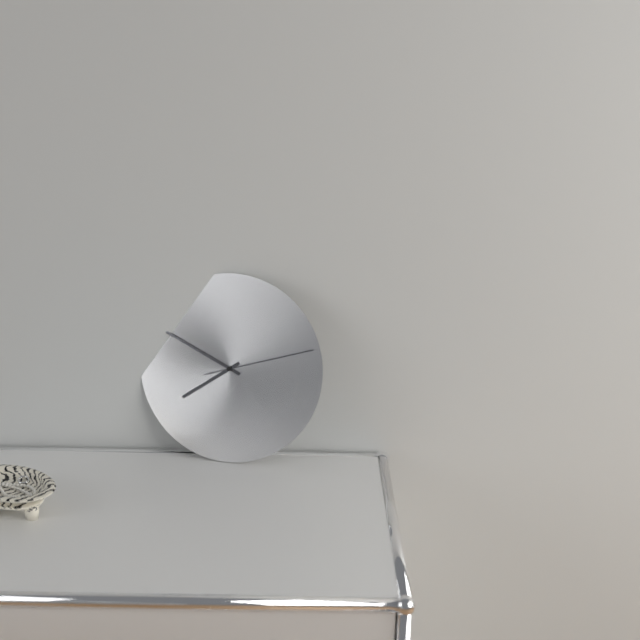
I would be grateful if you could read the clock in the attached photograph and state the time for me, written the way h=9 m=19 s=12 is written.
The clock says h=7 m=49 s=12
